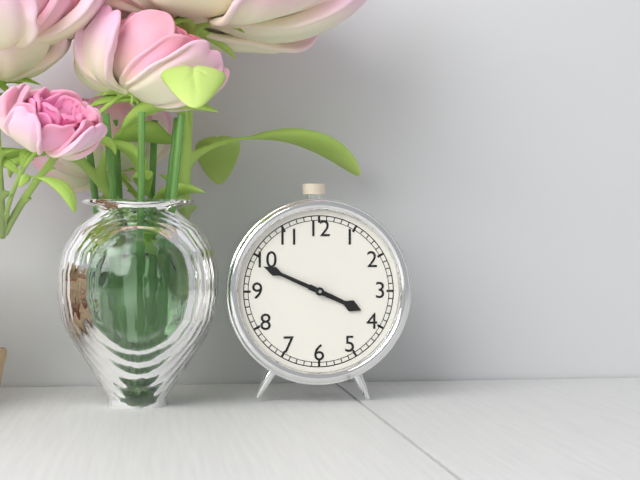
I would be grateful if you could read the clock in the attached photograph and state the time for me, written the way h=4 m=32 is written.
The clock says h=3 m=49
